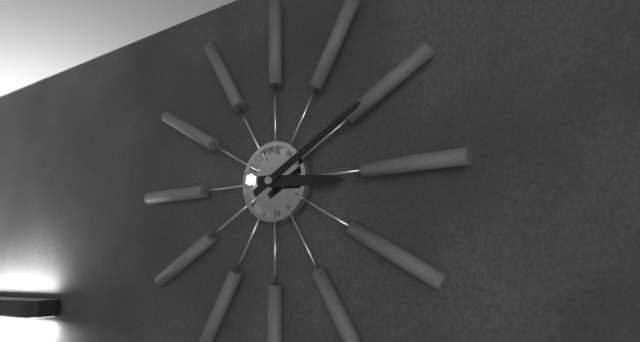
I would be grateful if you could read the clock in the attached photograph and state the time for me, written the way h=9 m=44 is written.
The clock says h=3 m=10
